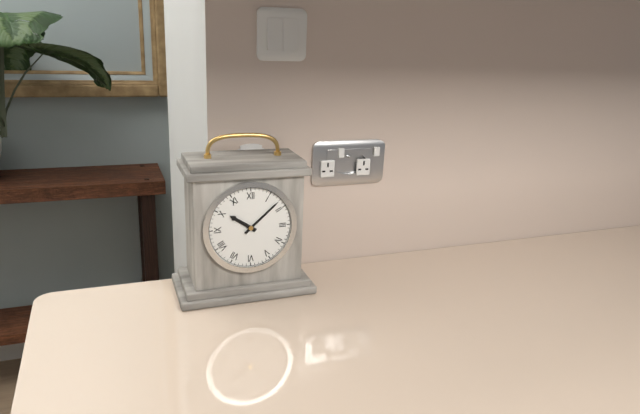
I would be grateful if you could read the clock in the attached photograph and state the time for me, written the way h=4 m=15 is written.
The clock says h=10 m=8
